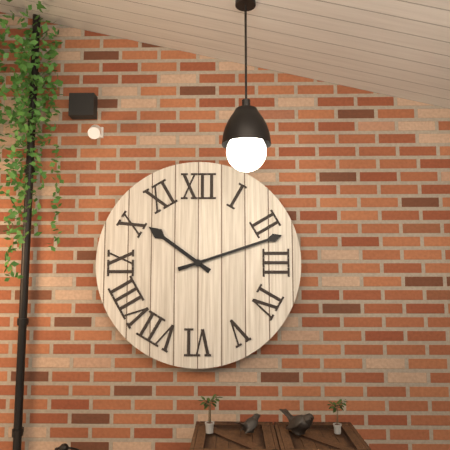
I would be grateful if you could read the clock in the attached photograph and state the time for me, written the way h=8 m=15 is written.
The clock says h=10 m=12
